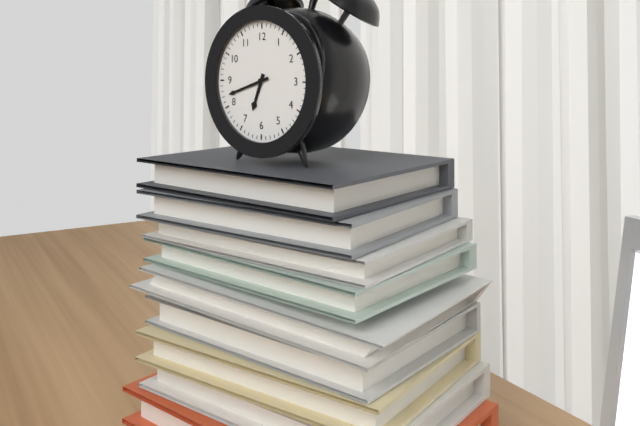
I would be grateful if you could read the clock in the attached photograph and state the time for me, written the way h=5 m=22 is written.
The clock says h=6 m=42
